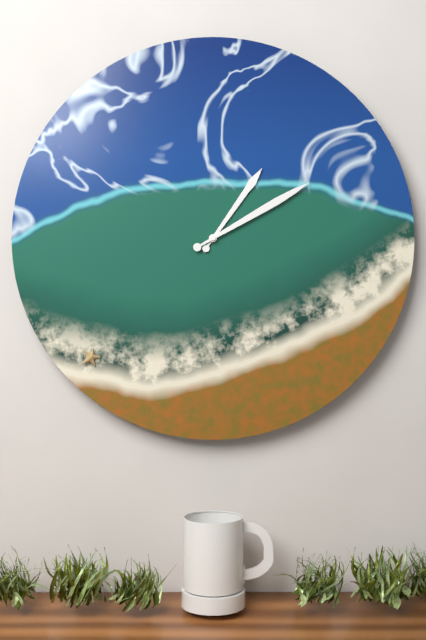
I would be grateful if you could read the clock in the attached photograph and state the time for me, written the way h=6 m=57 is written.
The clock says h=1 m=10
